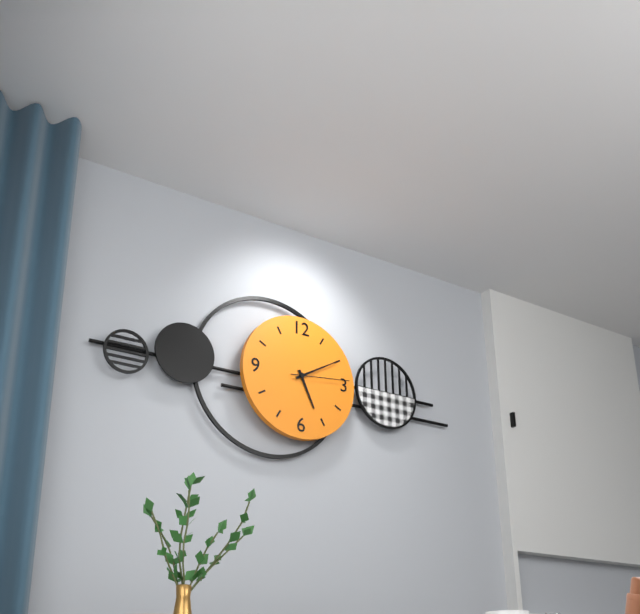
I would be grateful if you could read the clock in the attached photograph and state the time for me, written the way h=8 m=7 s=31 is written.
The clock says h=5 m=10 s=14
